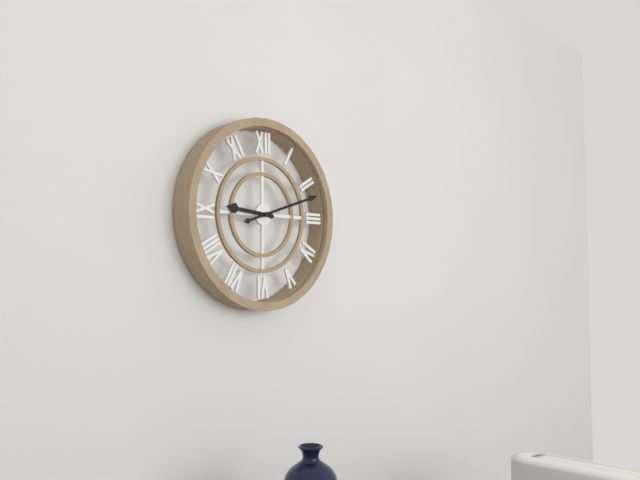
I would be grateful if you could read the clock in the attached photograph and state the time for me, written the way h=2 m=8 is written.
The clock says h=9 m=12
